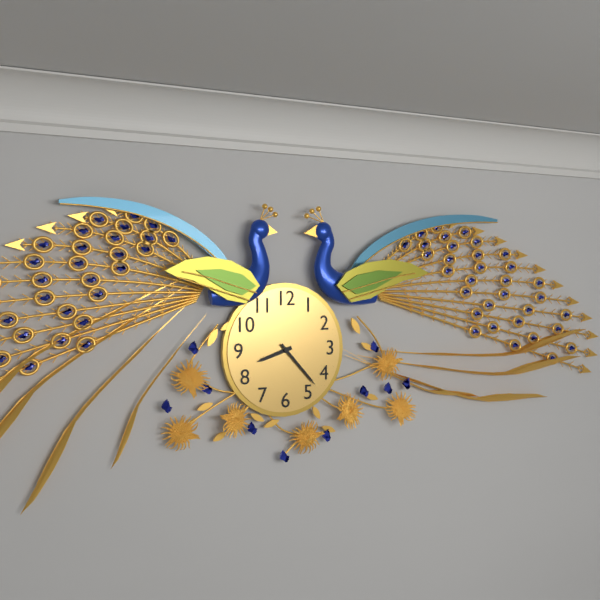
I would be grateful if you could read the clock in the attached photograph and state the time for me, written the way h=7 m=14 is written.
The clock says h=8 m=23
